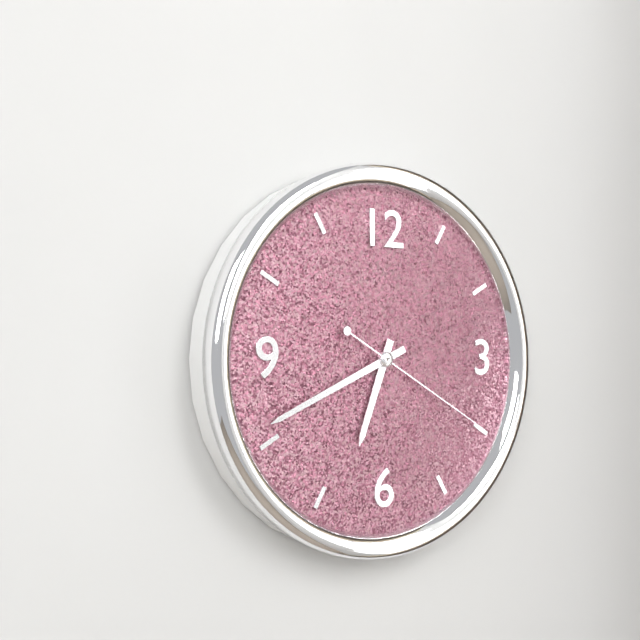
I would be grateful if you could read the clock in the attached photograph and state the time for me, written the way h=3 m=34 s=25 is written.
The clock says h=6 m=41 s=20
